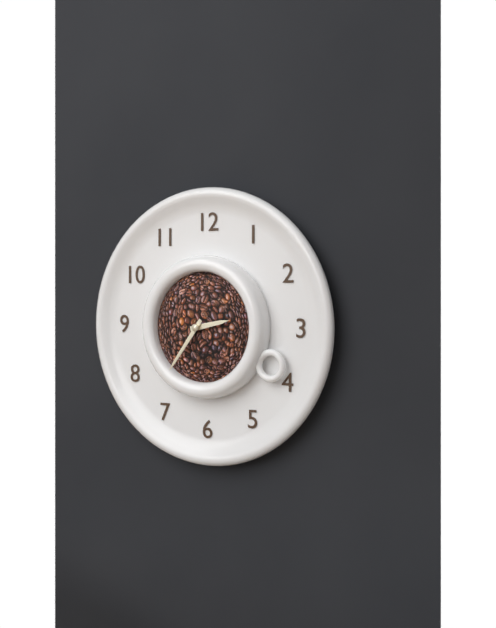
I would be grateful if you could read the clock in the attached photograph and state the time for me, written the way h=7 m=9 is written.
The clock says h=2 m=36
